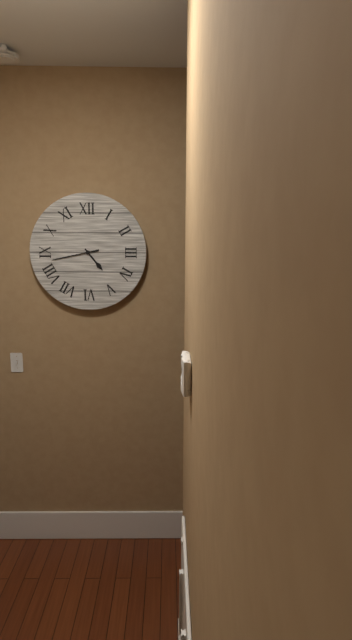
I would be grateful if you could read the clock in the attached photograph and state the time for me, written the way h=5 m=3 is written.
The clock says h=4 m=43
